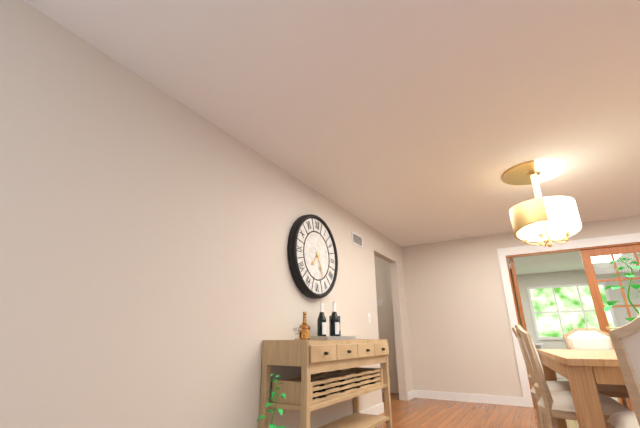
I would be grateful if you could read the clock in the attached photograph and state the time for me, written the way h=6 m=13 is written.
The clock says h=7 m=26
